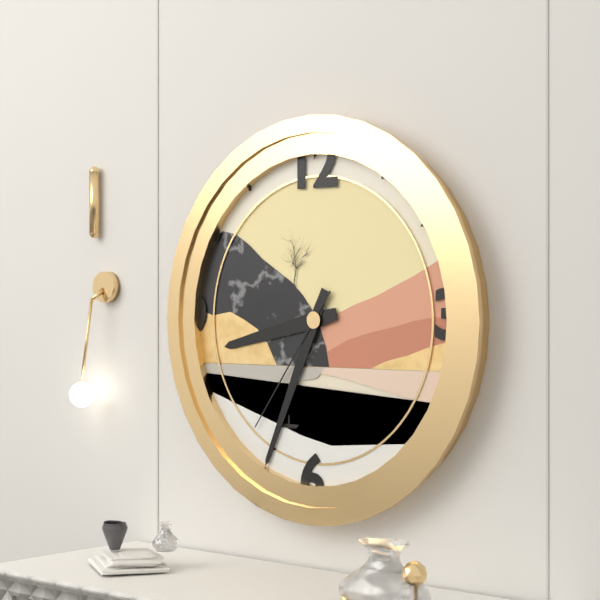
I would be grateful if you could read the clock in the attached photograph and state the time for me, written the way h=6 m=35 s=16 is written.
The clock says h=8 m=34 s=36
